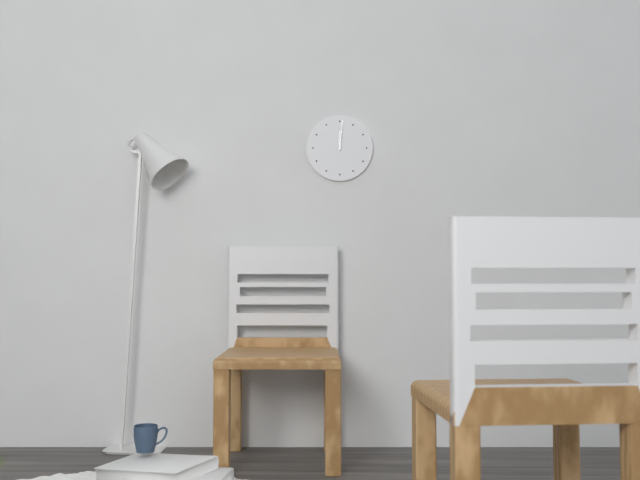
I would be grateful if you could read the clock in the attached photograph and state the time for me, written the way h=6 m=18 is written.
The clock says h=12 m=1
